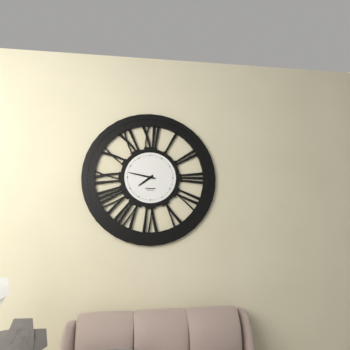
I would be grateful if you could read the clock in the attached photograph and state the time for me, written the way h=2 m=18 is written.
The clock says h=7 m=47
